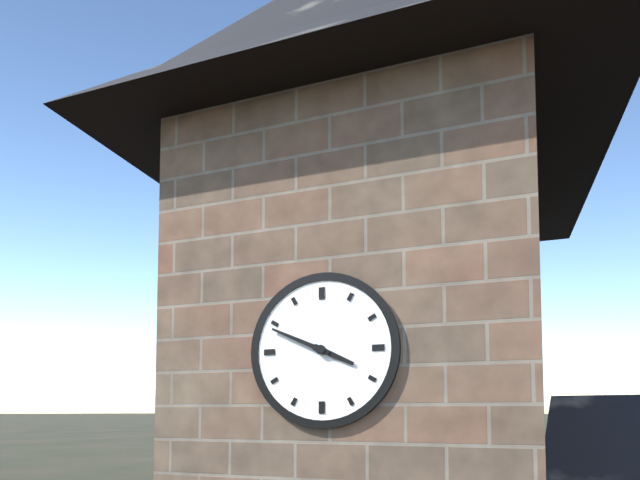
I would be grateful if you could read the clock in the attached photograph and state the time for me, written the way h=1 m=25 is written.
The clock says h=3 m=49
